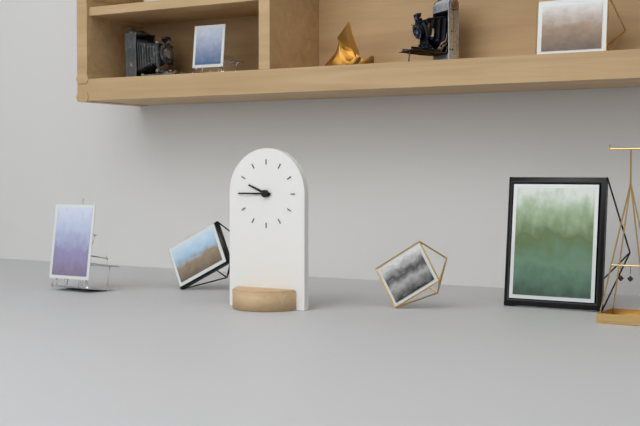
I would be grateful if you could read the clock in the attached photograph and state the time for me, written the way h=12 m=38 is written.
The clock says h=9 m=45
